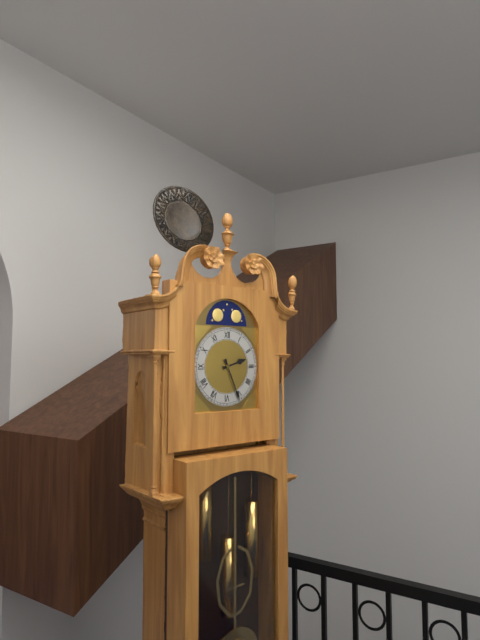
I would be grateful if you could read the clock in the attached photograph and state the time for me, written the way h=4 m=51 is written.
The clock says h=2 m=26
